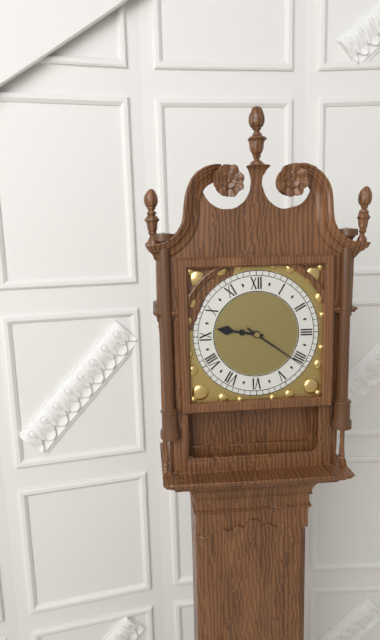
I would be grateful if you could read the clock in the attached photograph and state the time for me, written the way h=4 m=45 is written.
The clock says h=9 m=21
